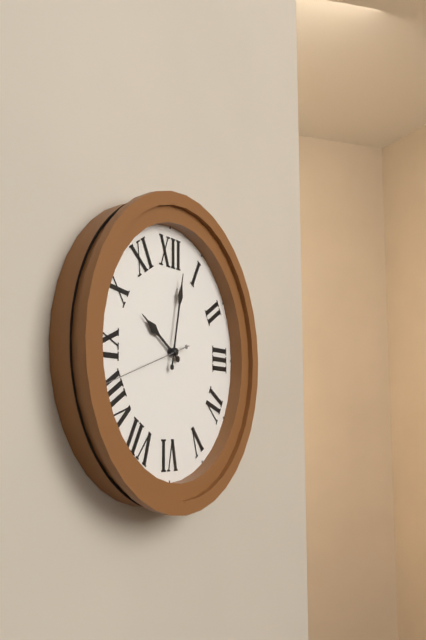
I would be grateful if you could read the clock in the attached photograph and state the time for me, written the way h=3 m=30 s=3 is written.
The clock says h=10 m=2 s=42
